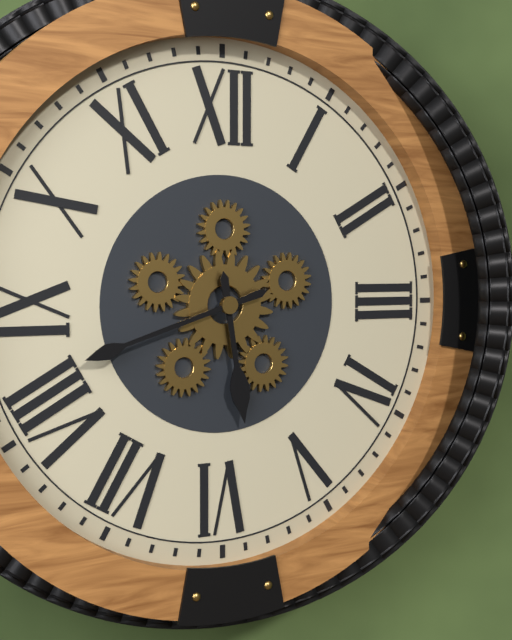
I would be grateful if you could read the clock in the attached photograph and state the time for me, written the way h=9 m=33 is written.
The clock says h=5 m=42
